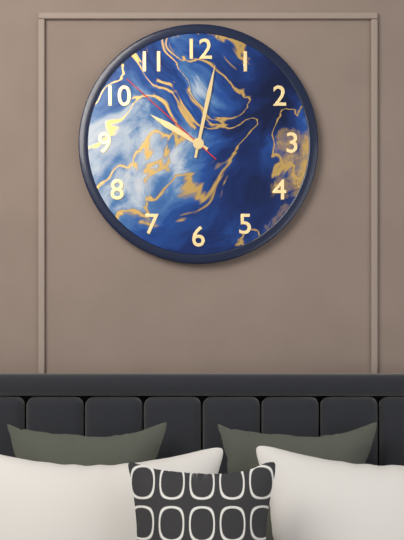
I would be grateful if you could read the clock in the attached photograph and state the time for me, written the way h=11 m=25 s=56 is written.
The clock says h=10 m=2 s=52
